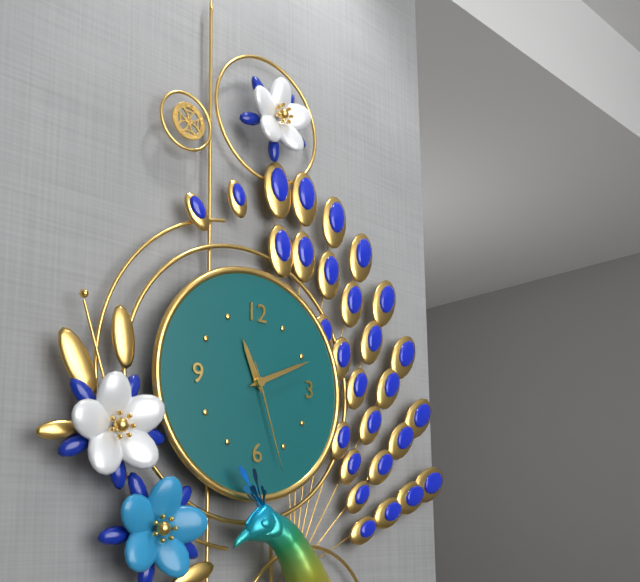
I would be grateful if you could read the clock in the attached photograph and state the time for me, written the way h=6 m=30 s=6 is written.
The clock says h=11 m=11 s=27
